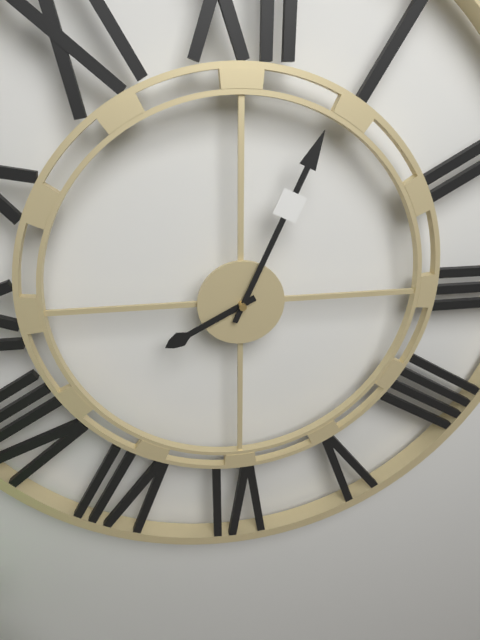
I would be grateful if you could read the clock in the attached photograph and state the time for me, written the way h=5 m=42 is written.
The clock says h=8 m=4
